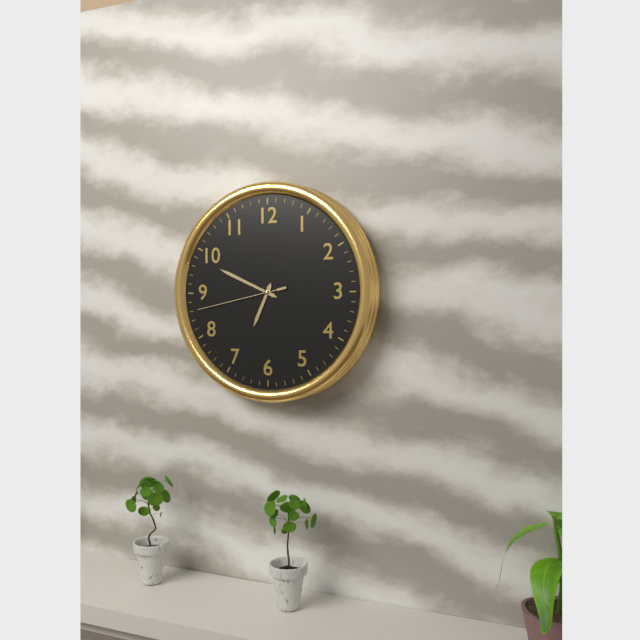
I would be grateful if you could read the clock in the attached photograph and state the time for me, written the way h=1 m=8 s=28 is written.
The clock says h=6 m=49 s=43
